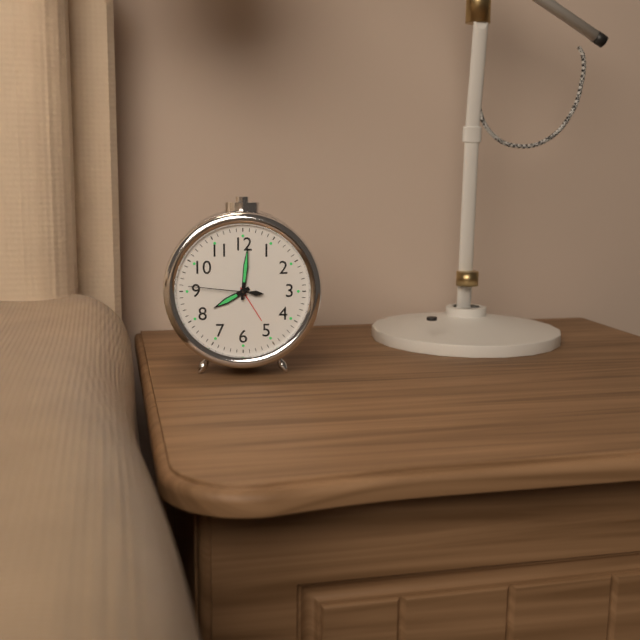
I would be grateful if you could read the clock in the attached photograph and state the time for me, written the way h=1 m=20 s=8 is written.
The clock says h=8 m=1 s=46
